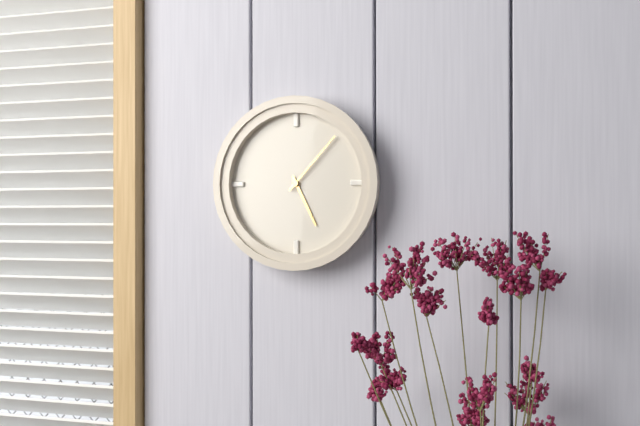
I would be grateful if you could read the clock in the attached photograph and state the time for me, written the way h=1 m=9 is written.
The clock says h=5 m=7
